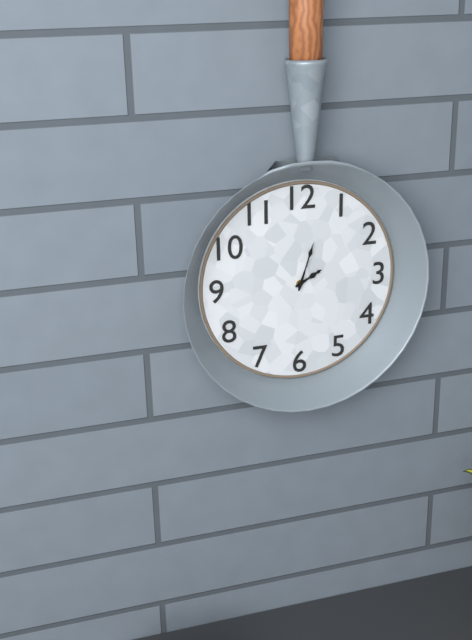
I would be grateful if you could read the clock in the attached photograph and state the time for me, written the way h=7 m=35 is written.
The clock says h=2 m=3
